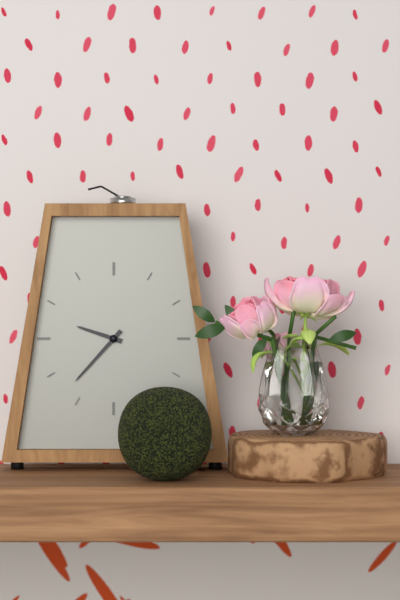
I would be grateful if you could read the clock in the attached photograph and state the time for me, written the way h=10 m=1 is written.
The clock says h=9 m=37
